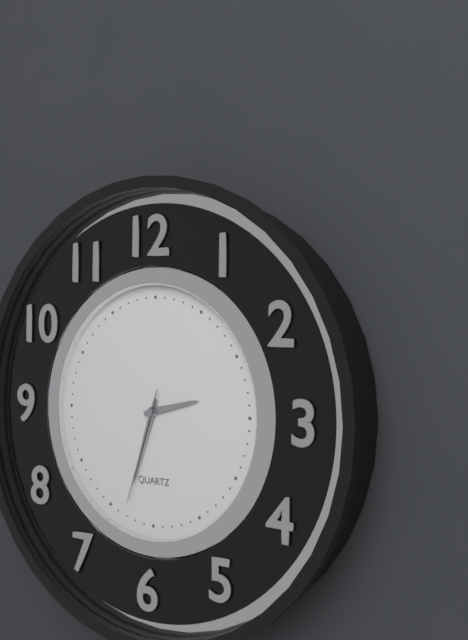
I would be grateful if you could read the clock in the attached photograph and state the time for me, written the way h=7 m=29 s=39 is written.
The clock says h=2 m=33 s=33
